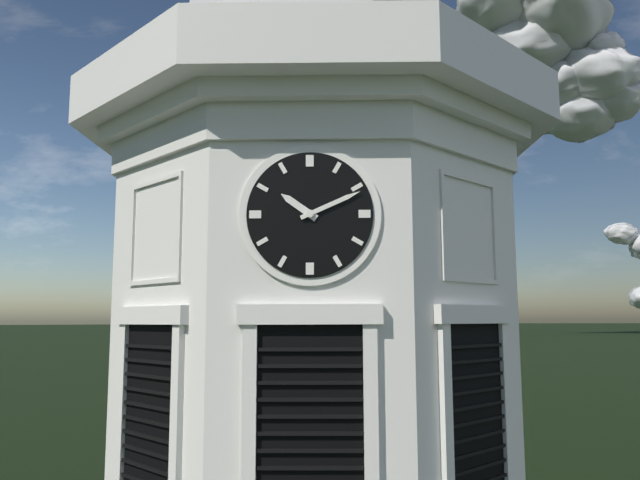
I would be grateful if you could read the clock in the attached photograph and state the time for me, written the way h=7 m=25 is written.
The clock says h=10 m=11
